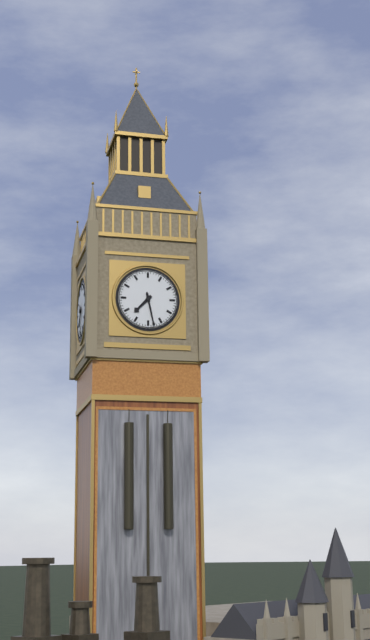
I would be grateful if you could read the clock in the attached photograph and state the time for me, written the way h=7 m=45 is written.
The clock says h=7 m=28
